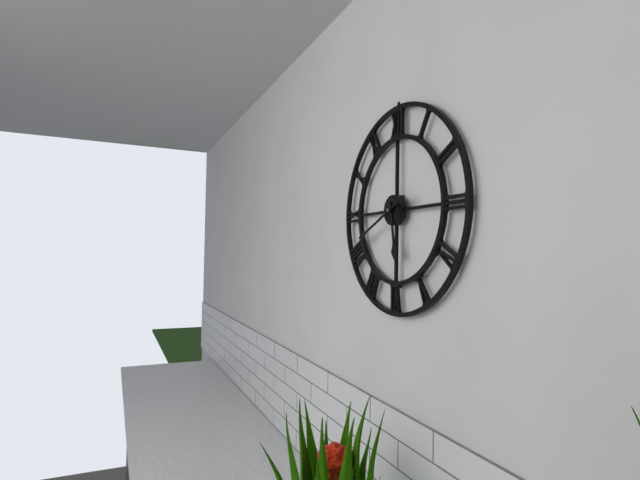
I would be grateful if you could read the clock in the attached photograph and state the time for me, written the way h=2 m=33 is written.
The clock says h=5 m=41
